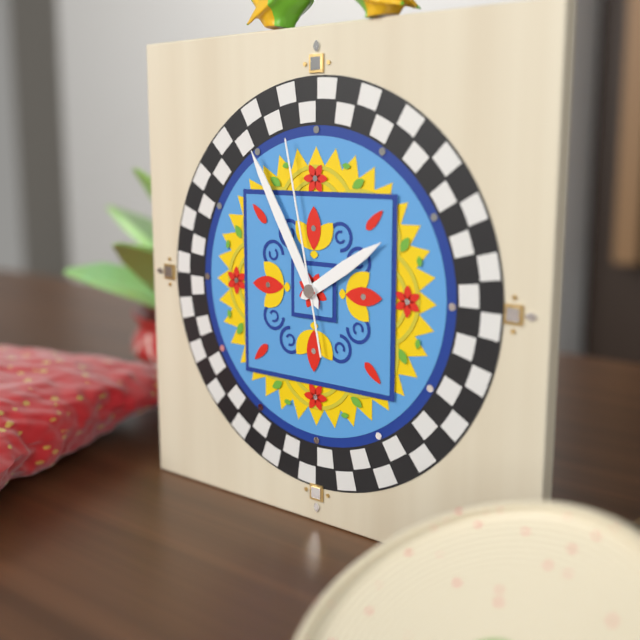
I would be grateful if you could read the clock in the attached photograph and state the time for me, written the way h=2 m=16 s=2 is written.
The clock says h=1 m=55 s=58
